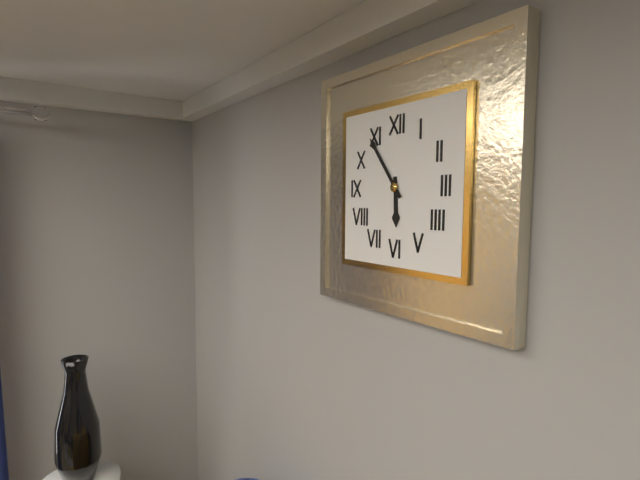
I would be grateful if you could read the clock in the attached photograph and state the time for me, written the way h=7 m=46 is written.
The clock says h=5 m=54
